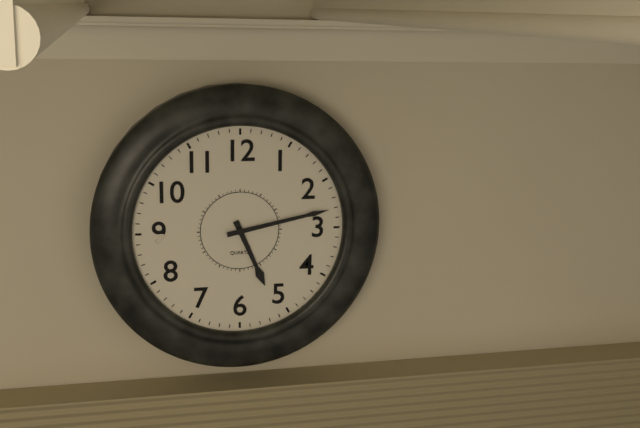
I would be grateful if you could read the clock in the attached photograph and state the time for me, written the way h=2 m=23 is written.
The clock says h=5 m=13
